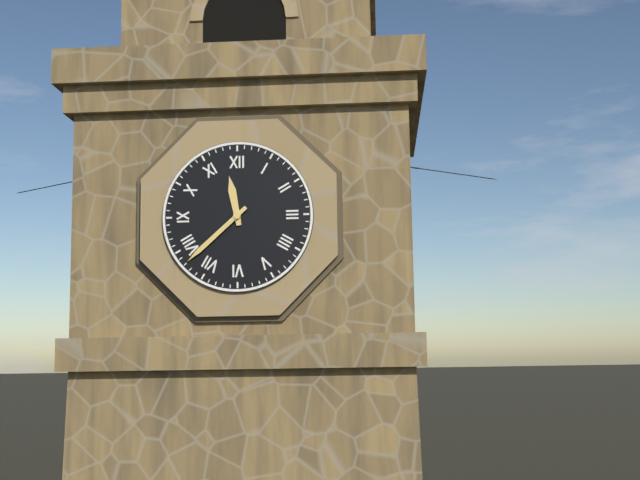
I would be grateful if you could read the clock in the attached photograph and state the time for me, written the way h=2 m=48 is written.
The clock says h=11 m=38
